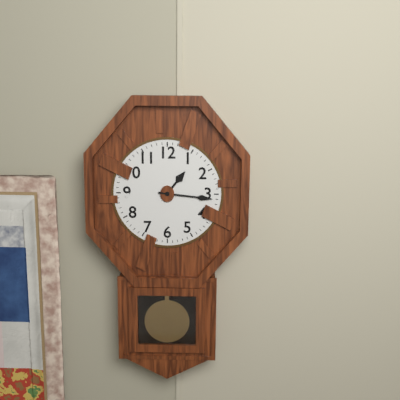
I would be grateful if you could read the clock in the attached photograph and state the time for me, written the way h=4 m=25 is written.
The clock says h=1 m=16
